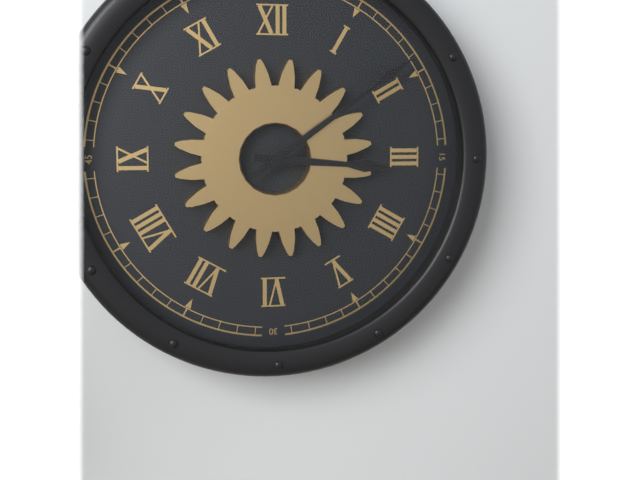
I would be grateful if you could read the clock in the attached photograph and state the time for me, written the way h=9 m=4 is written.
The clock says h=3 m=9
